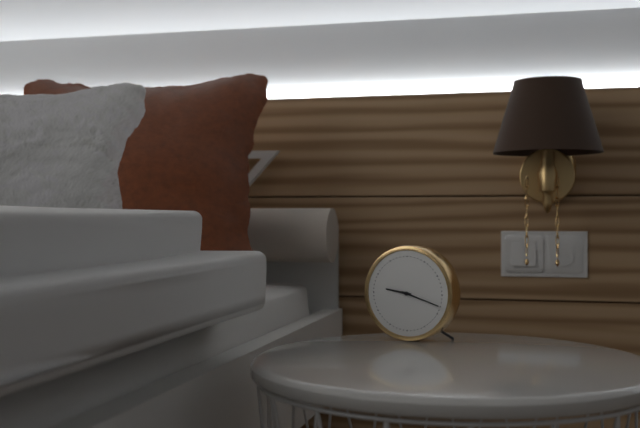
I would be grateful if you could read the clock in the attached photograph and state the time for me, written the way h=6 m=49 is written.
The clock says h=9 m=18
